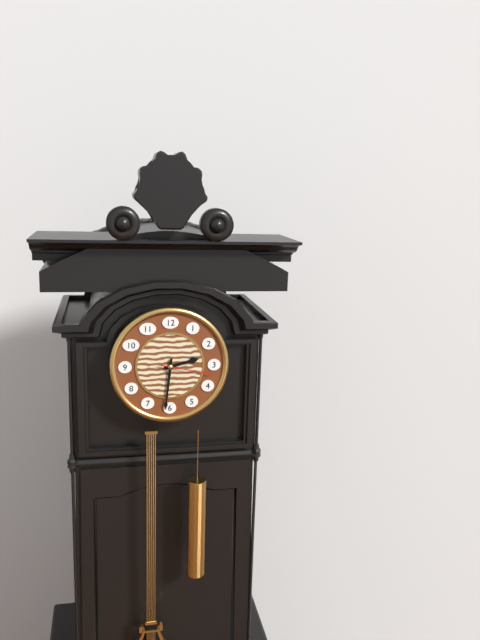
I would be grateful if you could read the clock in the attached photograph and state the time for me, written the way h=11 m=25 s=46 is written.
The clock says h=2 m=31 s=17
